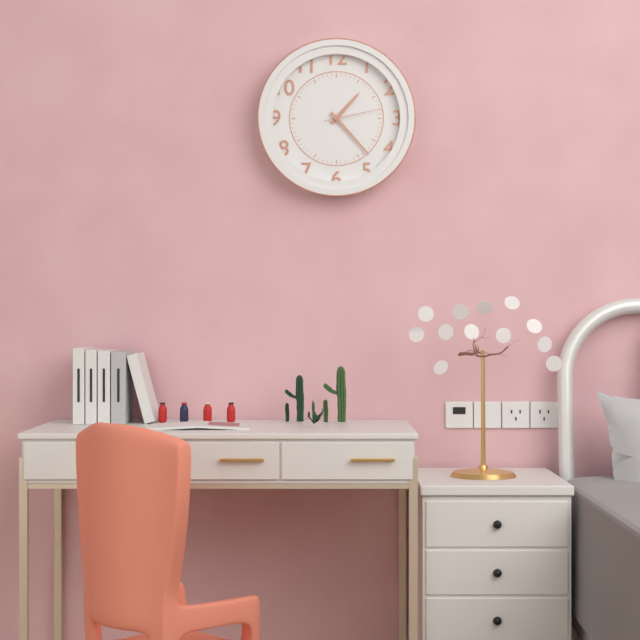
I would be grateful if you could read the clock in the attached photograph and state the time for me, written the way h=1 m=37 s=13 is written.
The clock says h=1 m=23 s=13
